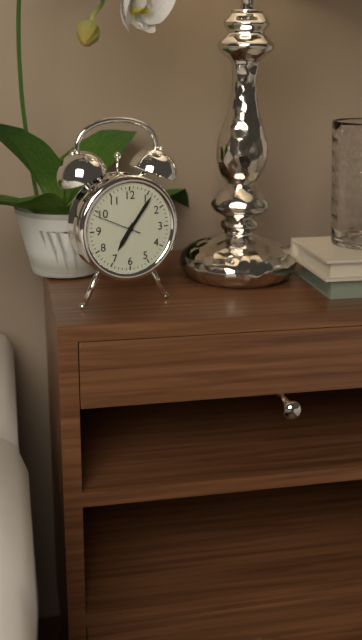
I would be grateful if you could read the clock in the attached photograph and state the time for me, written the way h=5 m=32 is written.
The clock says h=7 m=6
